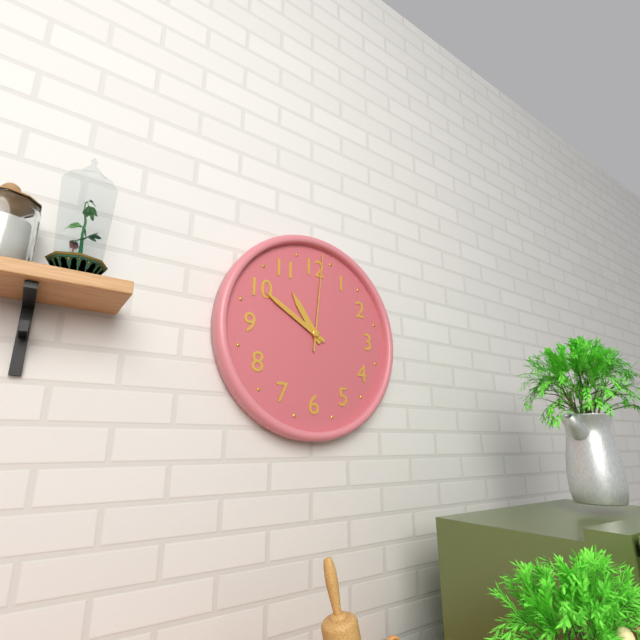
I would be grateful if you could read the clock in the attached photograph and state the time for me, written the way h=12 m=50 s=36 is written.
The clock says h=10 m=50 s=1
